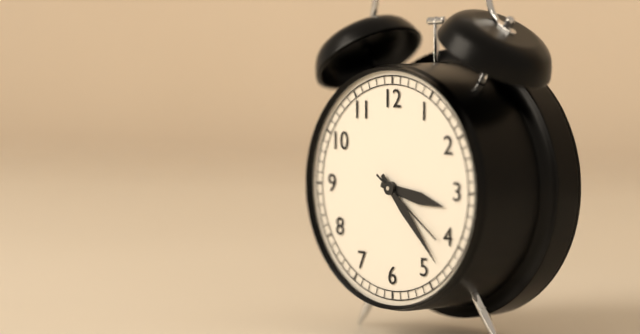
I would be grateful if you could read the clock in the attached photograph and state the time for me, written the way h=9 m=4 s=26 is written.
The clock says h=3 m=23 s=21
